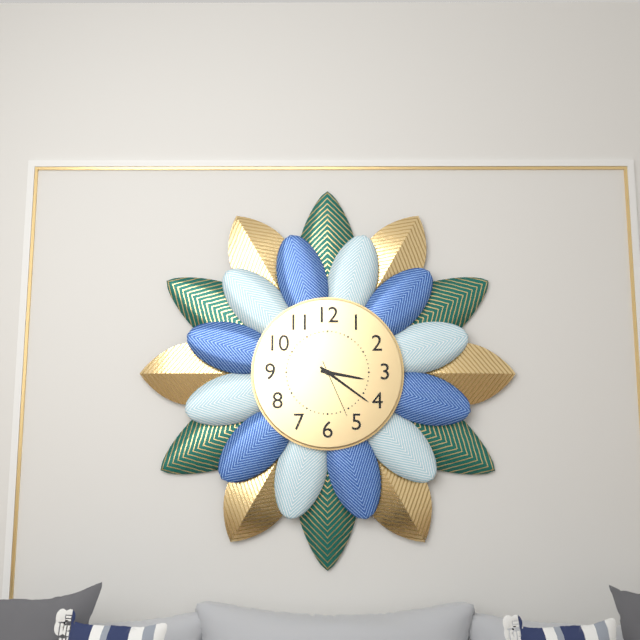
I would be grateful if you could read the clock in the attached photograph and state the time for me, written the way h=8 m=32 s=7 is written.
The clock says h=3 m=21 s=26
